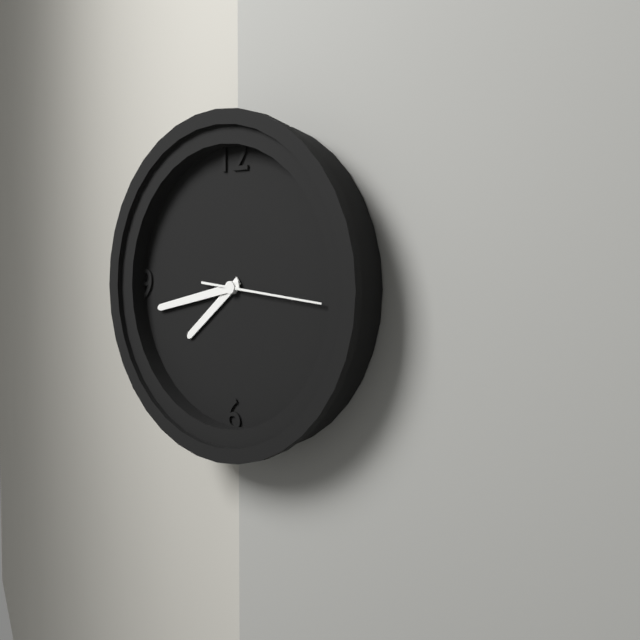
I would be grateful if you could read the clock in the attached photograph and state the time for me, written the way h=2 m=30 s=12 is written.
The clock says h=7 m=43 s=16
